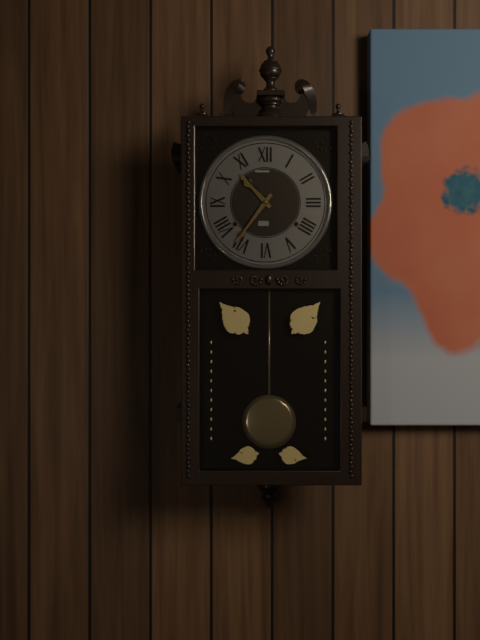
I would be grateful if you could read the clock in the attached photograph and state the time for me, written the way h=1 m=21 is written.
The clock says h=10 m=36
